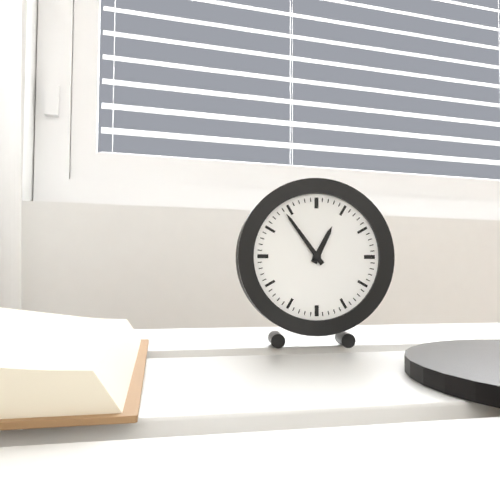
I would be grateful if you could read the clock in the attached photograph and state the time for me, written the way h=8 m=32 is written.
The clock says h=12 m=54
